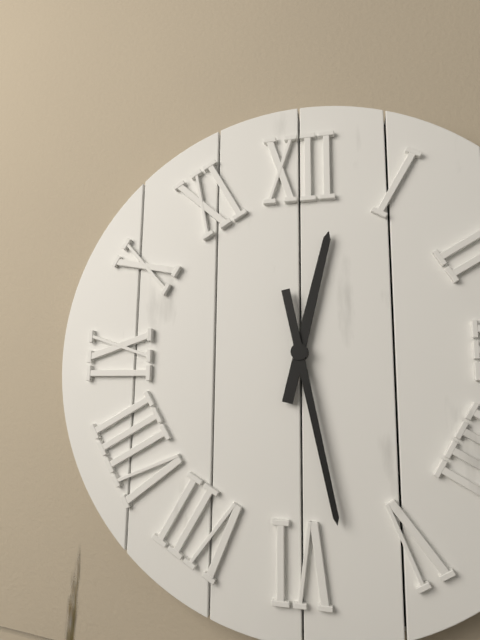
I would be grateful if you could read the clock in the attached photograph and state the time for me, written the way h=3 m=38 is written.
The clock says h=12 m=28
